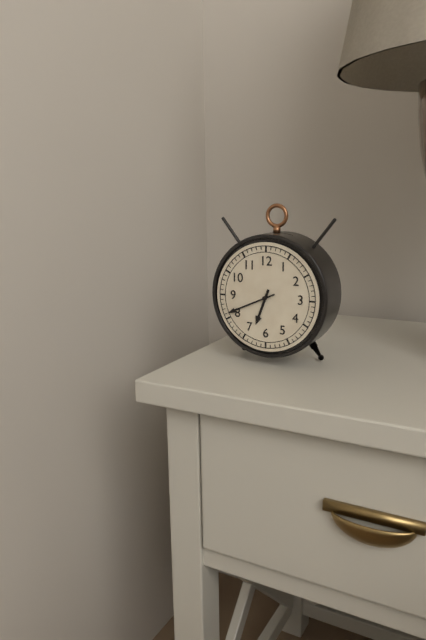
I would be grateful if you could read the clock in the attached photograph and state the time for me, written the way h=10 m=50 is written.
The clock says h=6 m=41
